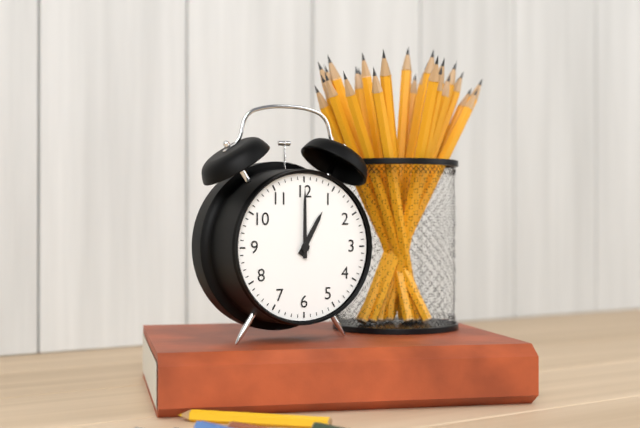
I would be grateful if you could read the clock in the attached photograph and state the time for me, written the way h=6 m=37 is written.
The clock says h=1 m=0
